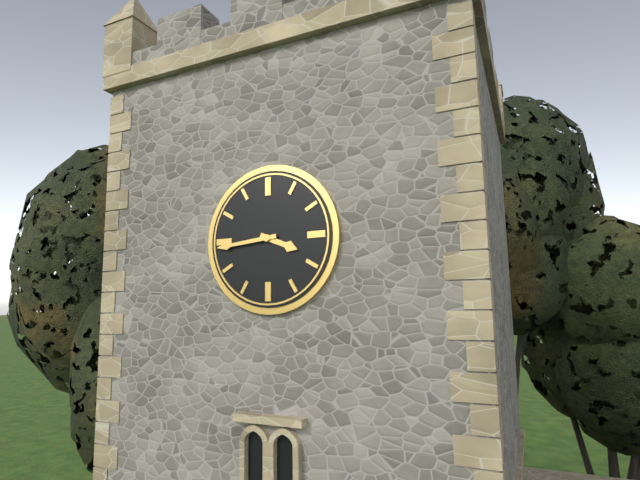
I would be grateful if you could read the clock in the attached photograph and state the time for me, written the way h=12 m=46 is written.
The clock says h=3 m=44
